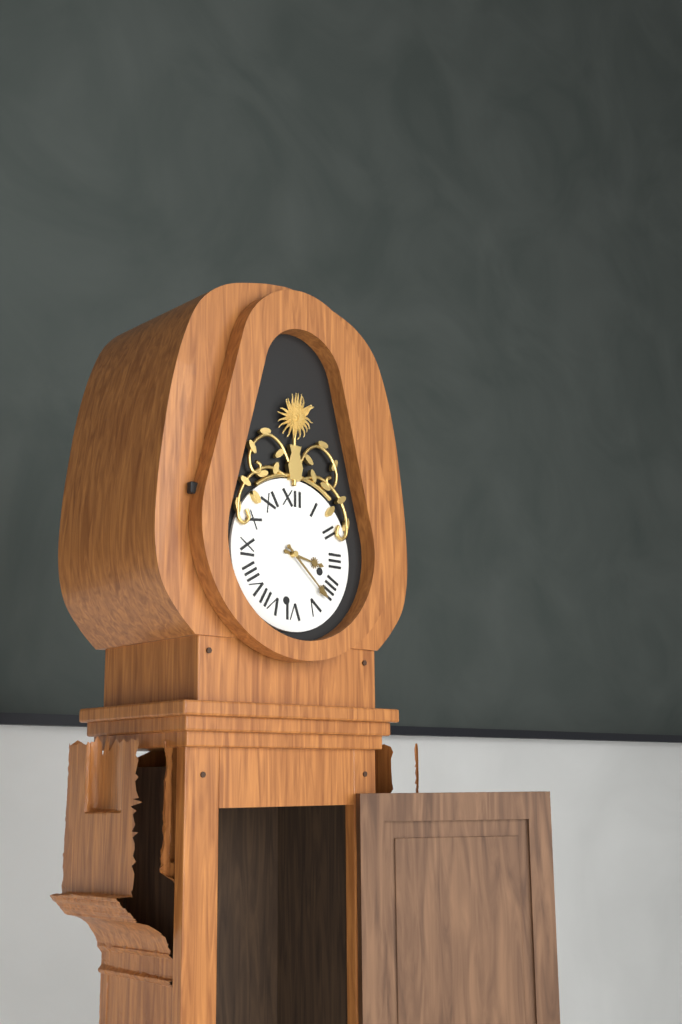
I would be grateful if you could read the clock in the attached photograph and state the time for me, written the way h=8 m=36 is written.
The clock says h=3 m=22
